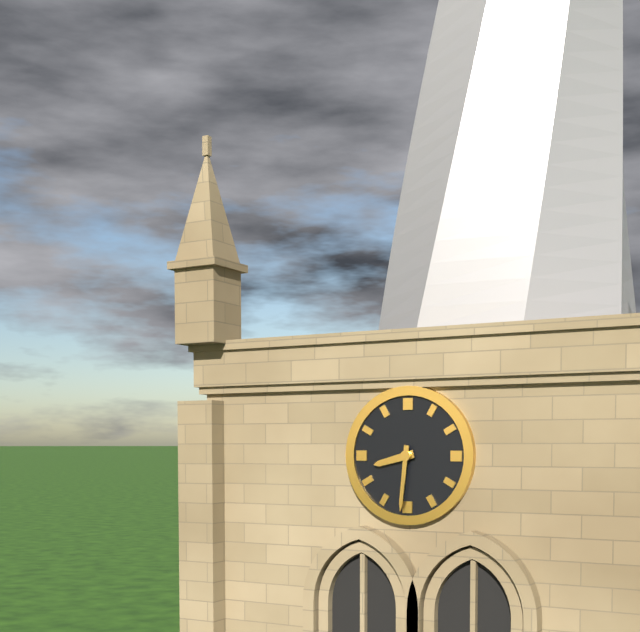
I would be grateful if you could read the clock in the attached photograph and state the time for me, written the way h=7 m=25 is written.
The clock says h=8 m=31
